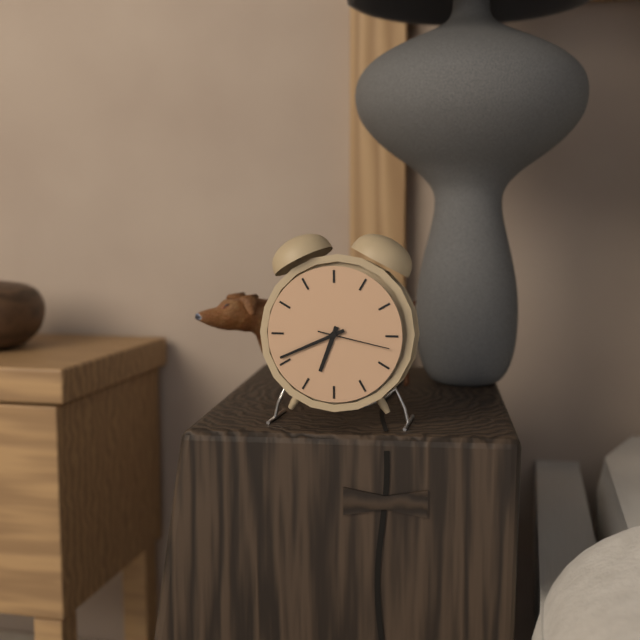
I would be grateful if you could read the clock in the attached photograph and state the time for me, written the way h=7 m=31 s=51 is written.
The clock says h=6 m=41 s=17
